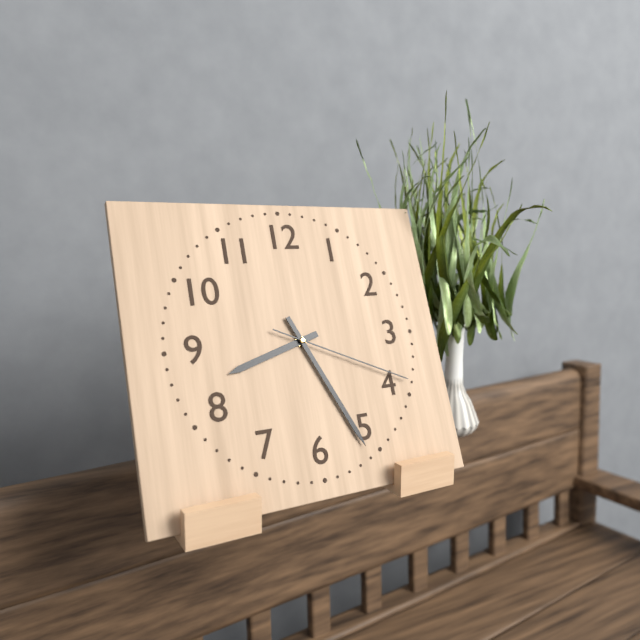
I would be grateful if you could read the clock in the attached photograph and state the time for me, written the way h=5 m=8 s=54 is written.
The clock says h=8 m=26 s=19
